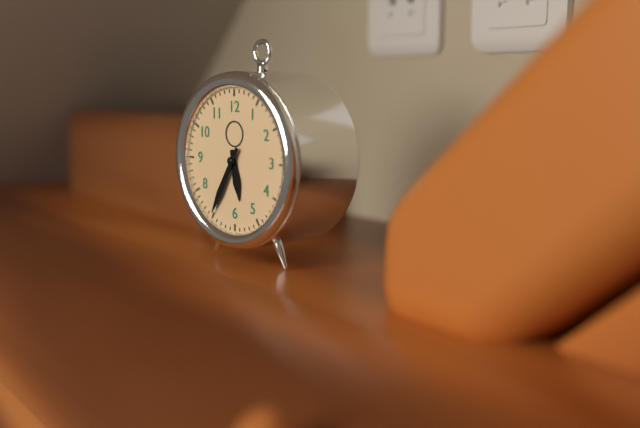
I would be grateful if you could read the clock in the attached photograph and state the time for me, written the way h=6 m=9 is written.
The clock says h=5 m=35
